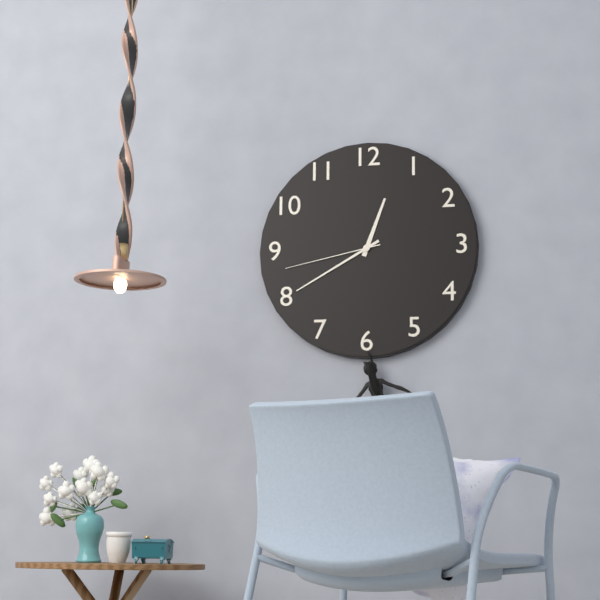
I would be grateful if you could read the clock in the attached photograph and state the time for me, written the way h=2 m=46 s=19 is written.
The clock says h=12 m=40 s=43
